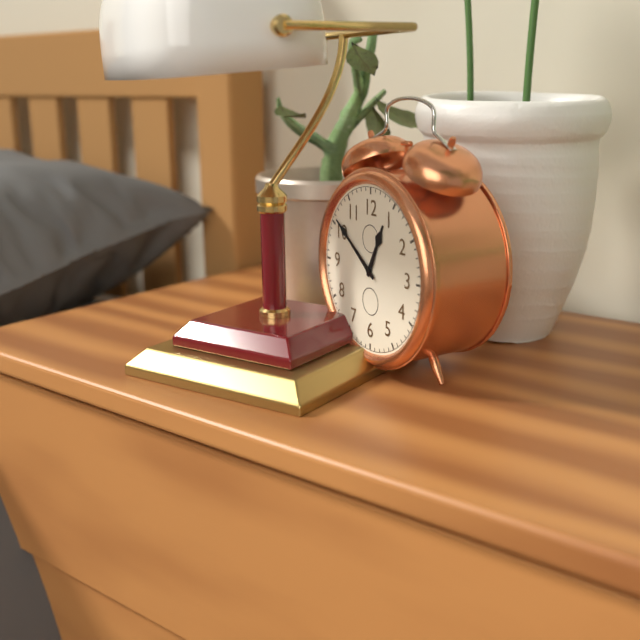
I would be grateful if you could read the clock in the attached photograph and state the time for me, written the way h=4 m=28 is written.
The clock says h=12 m=51
